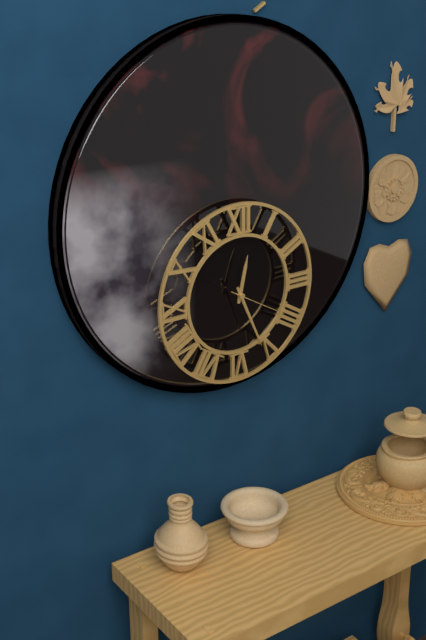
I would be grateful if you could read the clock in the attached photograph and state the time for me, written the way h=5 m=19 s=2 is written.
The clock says h=12 m=26 s=20
